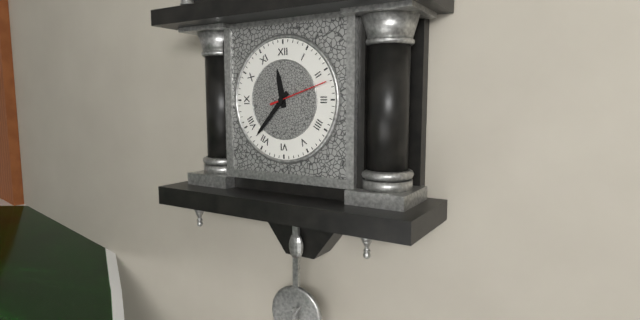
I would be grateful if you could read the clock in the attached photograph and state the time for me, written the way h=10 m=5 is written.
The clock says h=11 m=37
